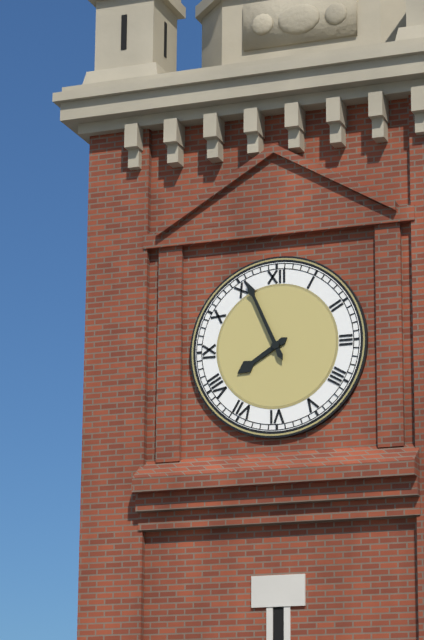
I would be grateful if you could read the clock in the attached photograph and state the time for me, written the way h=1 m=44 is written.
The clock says h=7 m=56
